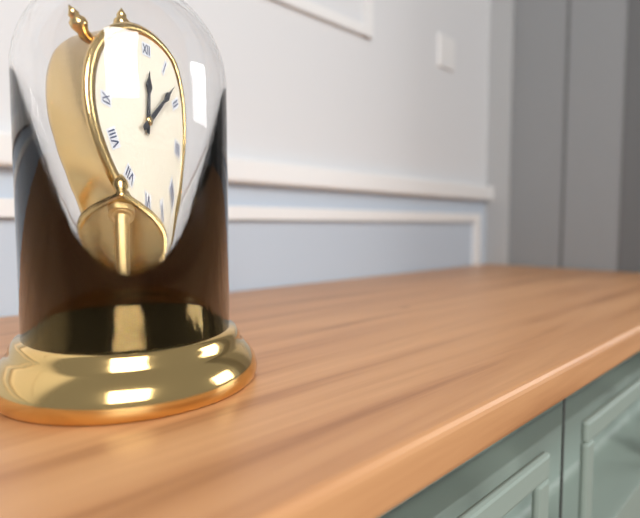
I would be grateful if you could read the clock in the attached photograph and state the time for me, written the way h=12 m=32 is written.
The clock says h=12 m=8
